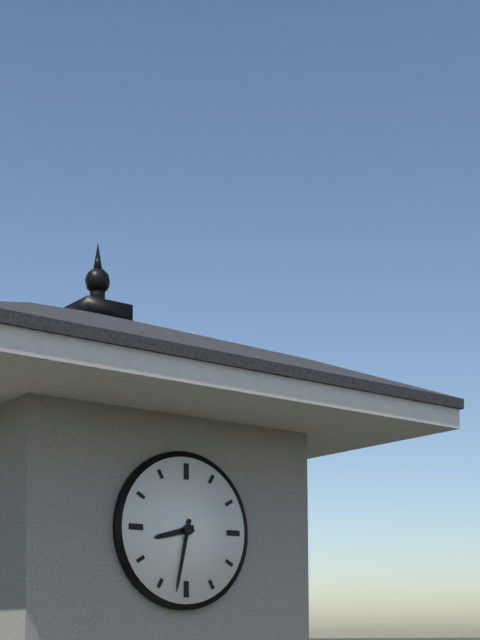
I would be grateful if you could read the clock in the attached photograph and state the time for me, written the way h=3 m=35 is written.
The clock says h=8 m=32
